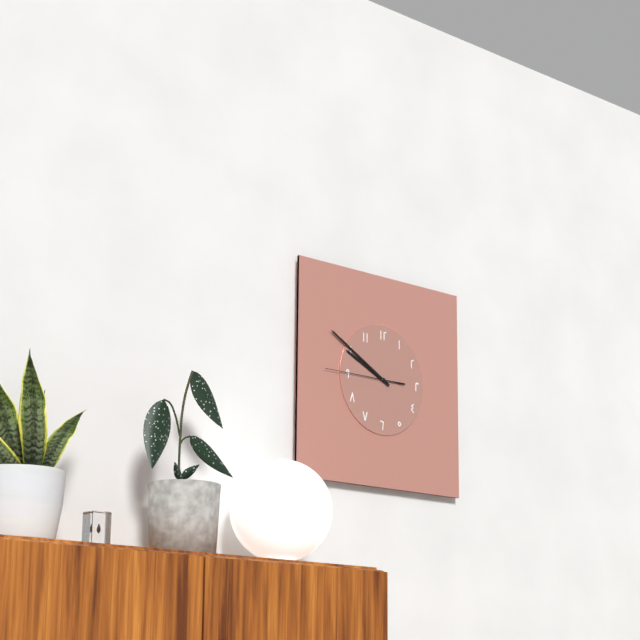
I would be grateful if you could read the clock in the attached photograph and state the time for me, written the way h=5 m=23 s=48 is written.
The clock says h=9 m=50 s=45
